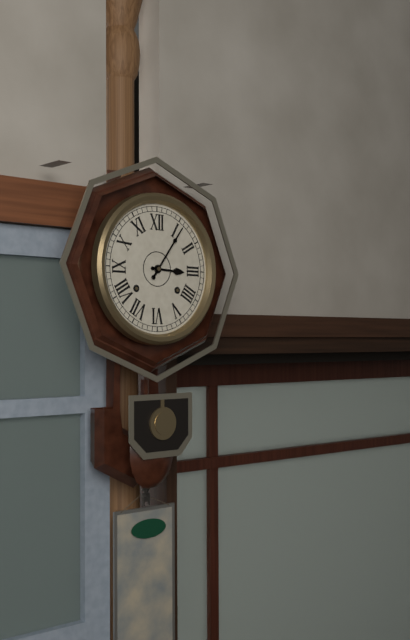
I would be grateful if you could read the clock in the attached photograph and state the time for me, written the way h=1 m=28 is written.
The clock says h=3 m=6
